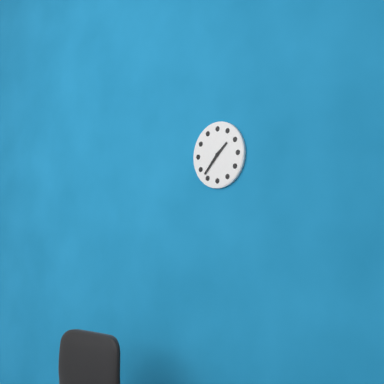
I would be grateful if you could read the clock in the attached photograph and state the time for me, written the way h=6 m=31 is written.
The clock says h=1 m=37
